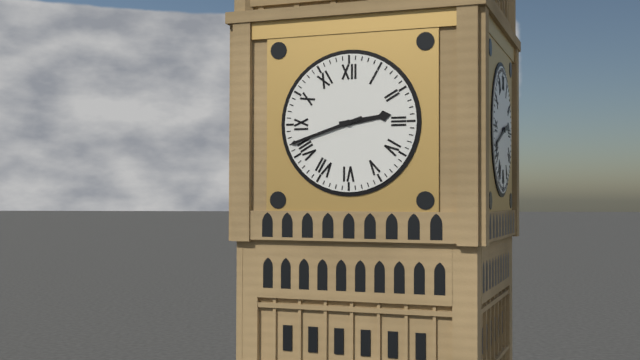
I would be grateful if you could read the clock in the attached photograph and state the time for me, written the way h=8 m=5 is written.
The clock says h=2 m=42
